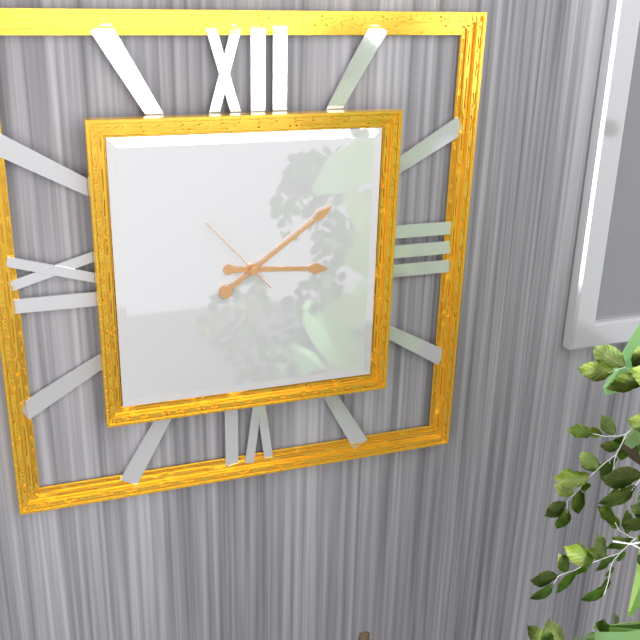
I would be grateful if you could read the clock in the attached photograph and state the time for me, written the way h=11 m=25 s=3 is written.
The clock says h=3 m=9 s=53
